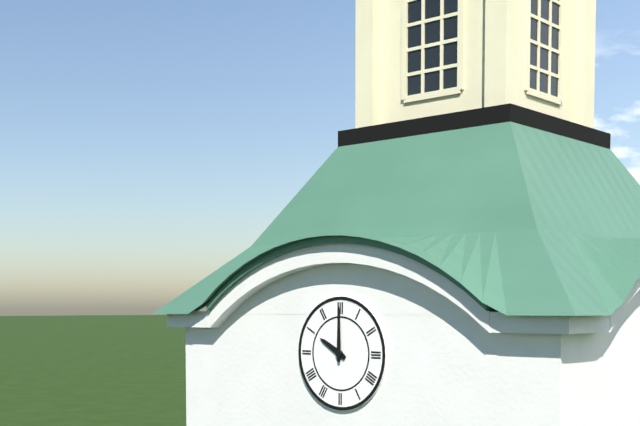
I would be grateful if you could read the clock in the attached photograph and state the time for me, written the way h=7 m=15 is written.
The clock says h=10 m=0
